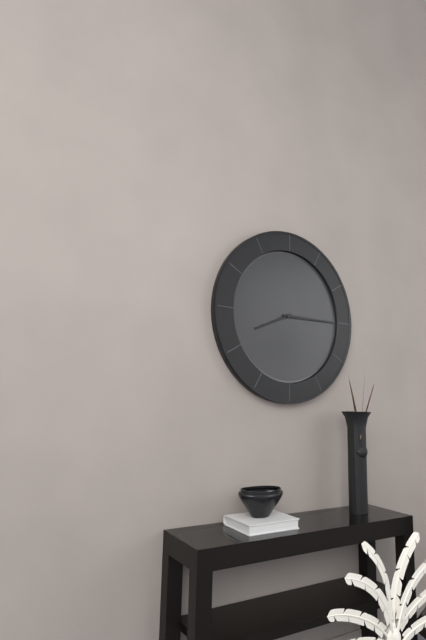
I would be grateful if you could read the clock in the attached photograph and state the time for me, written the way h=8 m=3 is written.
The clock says h=8 m=15
